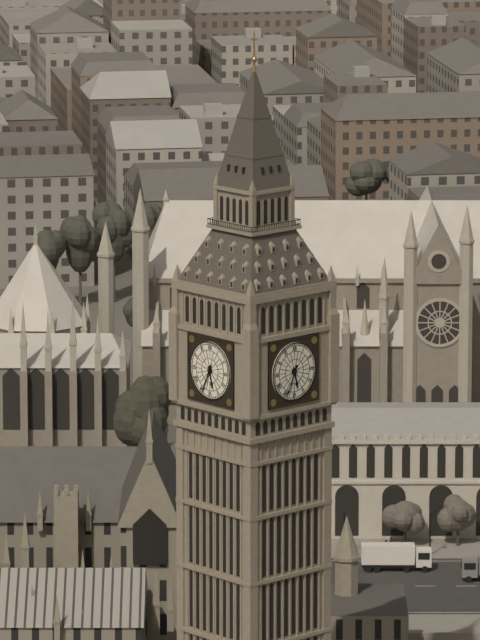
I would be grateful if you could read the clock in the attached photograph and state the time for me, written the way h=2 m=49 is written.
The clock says h=5 m=34
